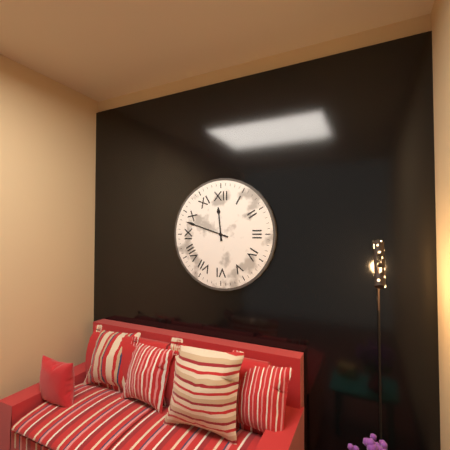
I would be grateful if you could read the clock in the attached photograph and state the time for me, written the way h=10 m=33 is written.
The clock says h=11 m=48
